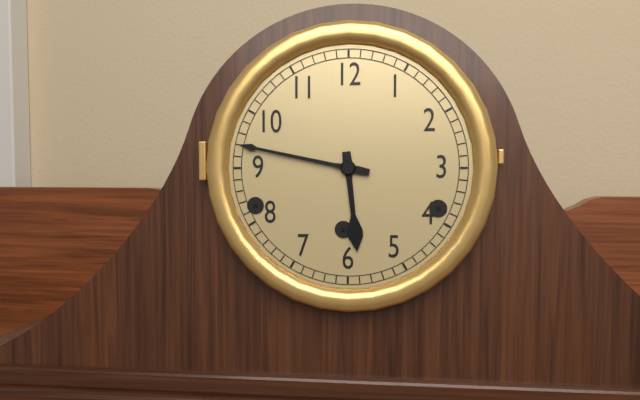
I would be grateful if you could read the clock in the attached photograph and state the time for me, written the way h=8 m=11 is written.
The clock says h=5 m=47
